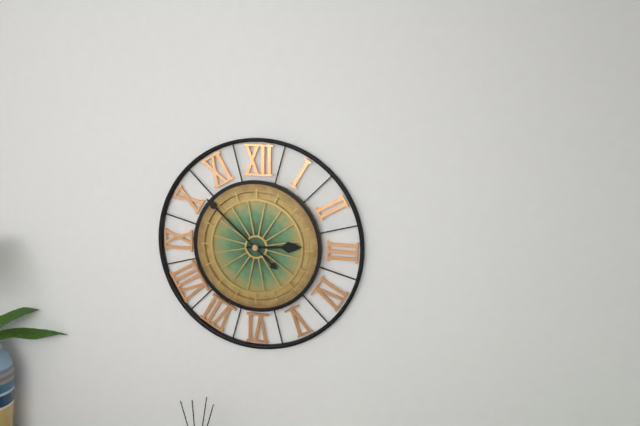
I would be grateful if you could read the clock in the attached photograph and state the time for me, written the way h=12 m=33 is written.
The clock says h=2 m=52
